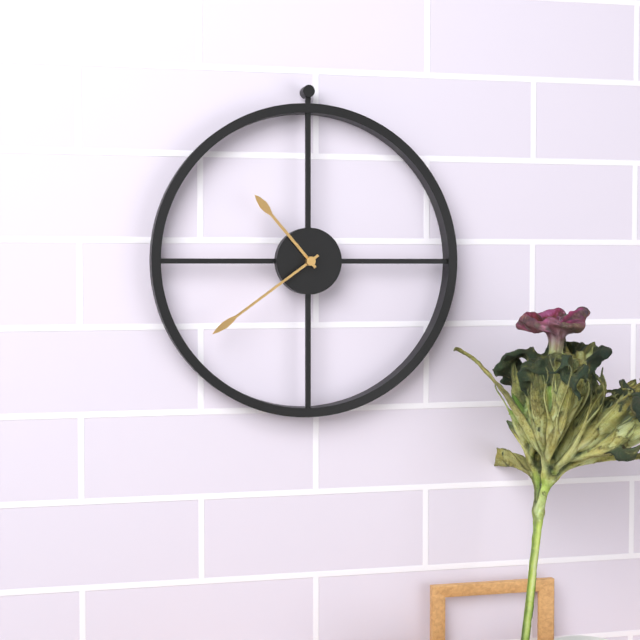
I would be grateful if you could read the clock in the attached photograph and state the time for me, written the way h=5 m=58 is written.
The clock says h=10 m=39
